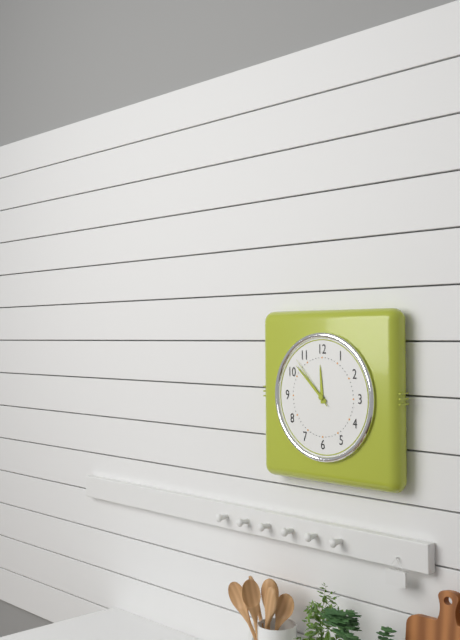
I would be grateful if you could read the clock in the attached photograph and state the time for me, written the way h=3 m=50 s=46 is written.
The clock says h=11 m=52 s=53
